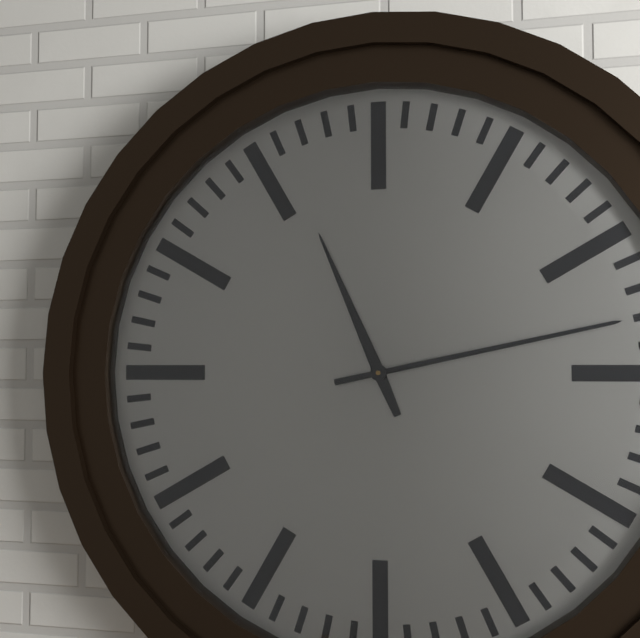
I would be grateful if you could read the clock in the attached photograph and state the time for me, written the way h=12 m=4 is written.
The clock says h=11 m=13
